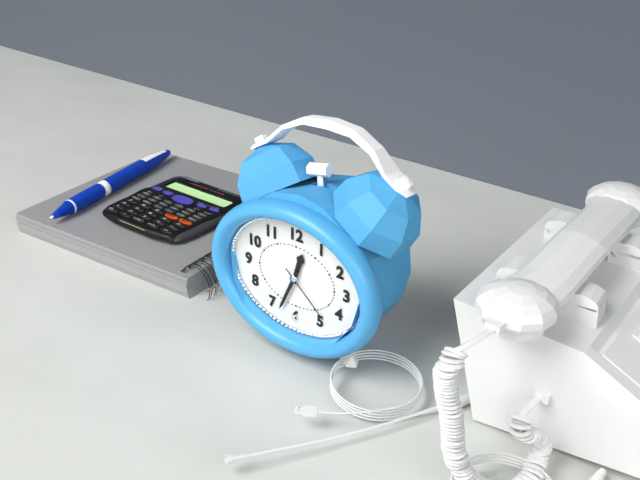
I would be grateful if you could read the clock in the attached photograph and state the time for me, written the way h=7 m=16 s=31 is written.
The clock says h=12 m=34 s=22
